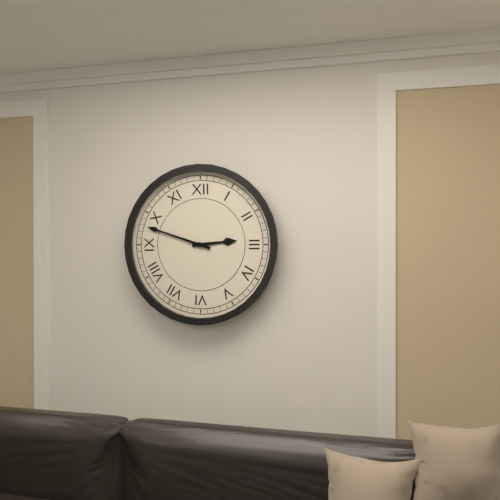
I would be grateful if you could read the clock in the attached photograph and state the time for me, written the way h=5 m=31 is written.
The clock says h=2 m=48
